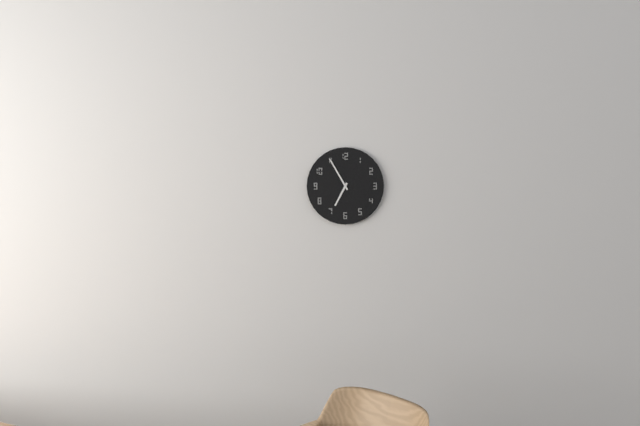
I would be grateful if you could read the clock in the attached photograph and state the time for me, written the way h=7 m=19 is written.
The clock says h=6 m=55
